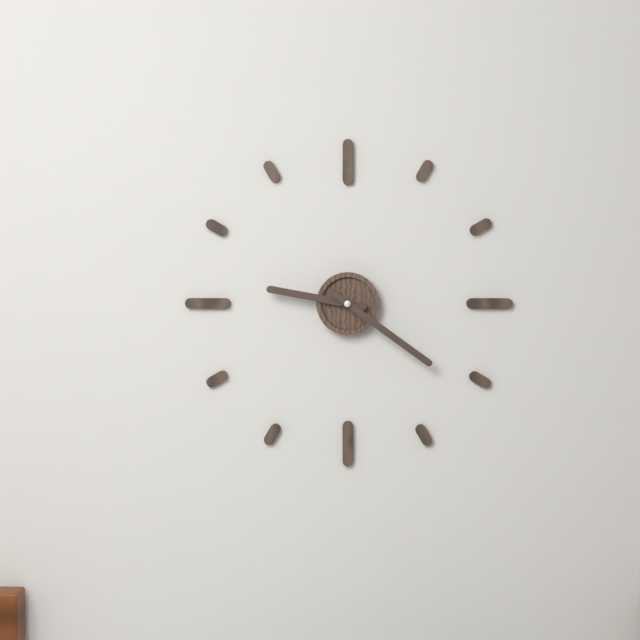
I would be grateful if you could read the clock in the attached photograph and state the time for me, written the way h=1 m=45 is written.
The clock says h=9 m=21
